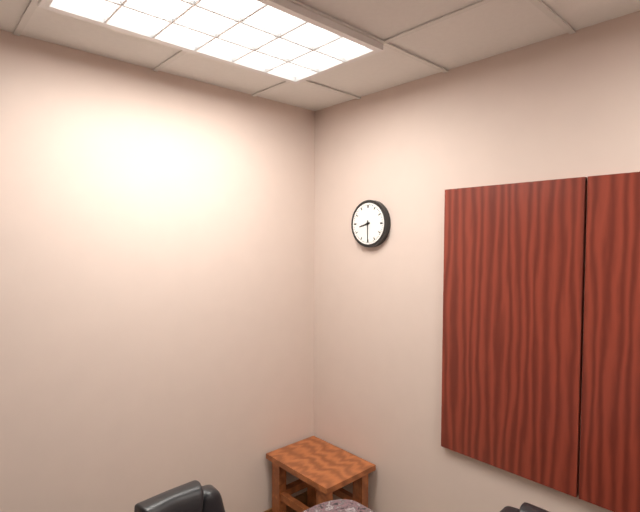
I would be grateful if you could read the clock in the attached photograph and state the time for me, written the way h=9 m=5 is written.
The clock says h=8 m=30
